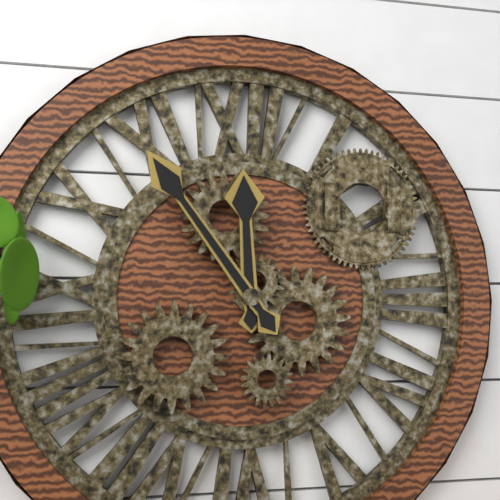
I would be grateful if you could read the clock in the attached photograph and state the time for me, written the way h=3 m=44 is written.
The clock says h=11 m=54
